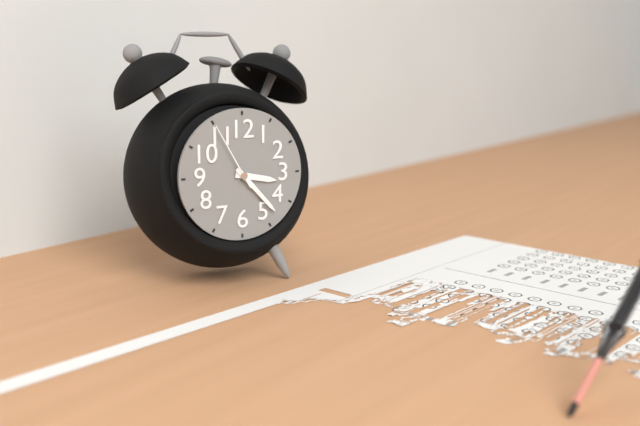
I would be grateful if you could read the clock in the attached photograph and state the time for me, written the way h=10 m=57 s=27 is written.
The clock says h=3 m=23 s=55
